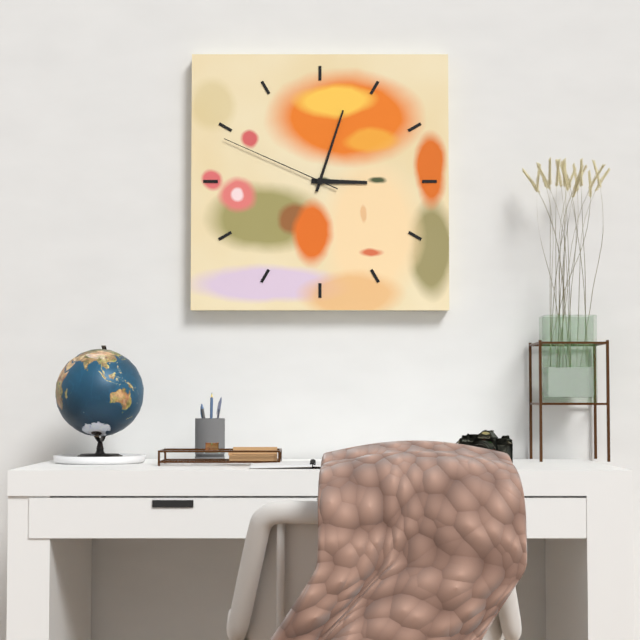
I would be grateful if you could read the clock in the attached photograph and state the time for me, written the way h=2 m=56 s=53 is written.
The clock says h=3 m=3 s=49
